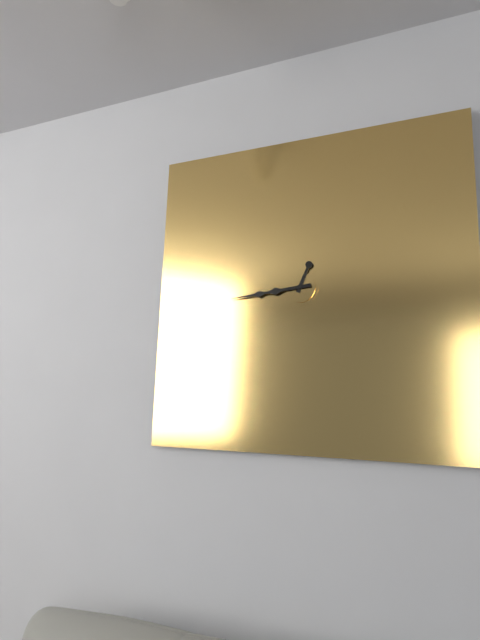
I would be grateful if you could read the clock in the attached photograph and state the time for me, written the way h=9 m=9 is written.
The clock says h=12 m=44
